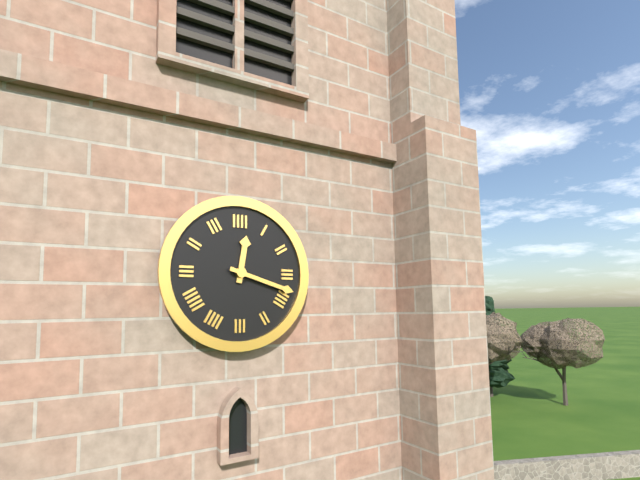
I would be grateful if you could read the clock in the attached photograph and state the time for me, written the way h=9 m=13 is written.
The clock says h=12 m=18
